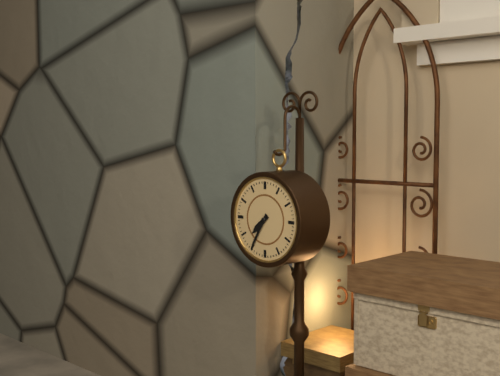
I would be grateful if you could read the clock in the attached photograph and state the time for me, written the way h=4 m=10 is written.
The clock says h=7 m=35
